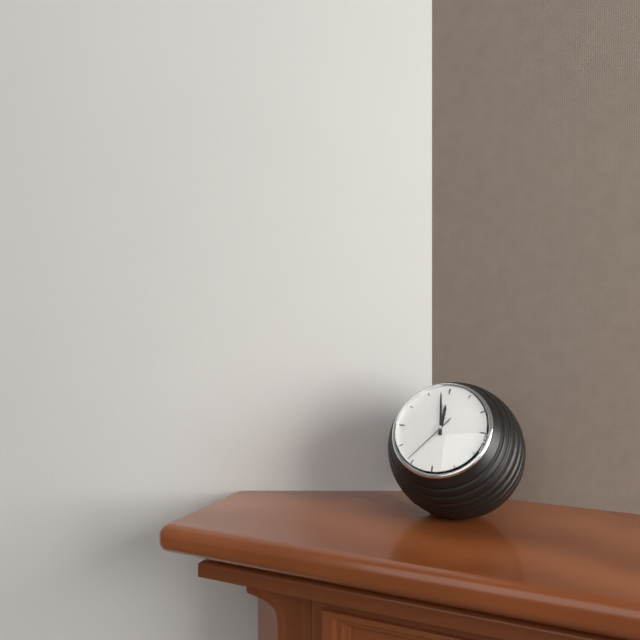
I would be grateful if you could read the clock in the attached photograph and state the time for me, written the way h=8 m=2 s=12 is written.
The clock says h=11 m=58 s=36
